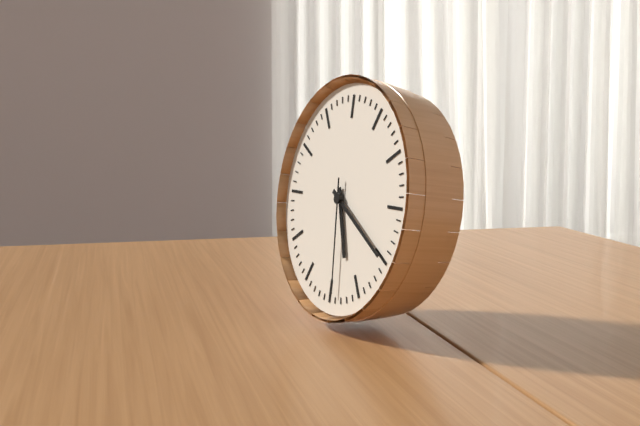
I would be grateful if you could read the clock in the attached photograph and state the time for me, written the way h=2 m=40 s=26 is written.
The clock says h=5 m=20 s=29
